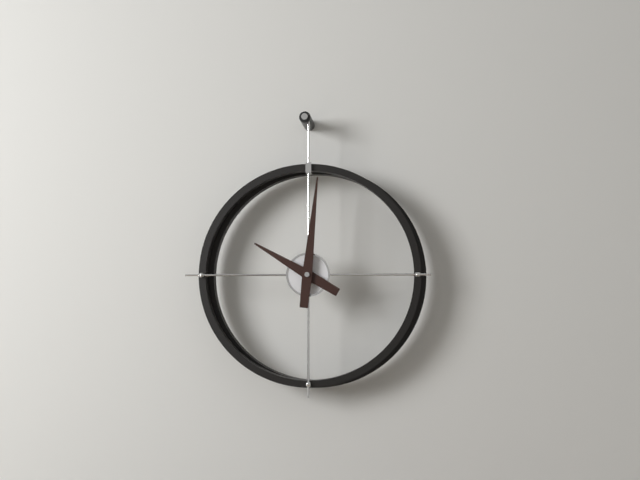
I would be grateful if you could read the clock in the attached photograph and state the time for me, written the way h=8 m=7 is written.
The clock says h=10 m=1
